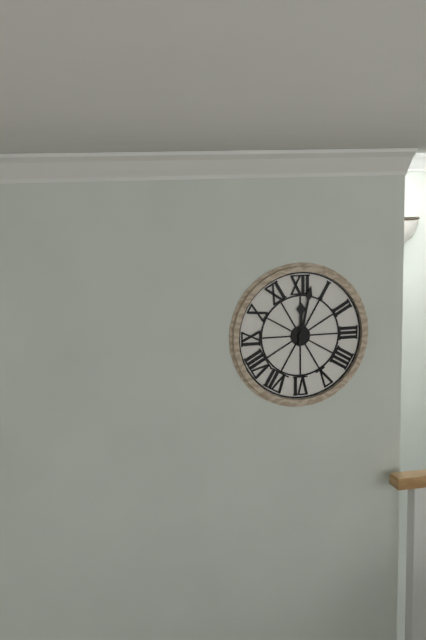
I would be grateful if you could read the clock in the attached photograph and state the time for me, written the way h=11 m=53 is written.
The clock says h=12 m=2
